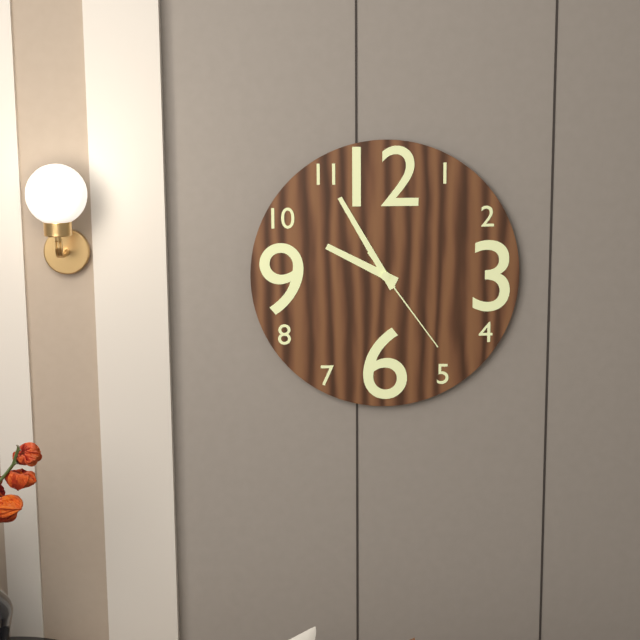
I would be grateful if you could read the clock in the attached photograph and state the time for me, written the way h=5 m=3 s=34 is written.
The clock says h=9 m=55 s=24
